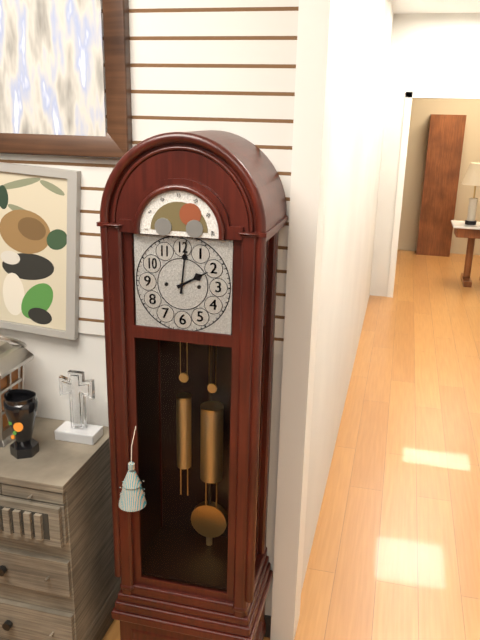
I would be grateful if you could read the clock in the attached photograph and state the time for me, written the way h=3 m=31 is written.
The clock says h=2 m=1
